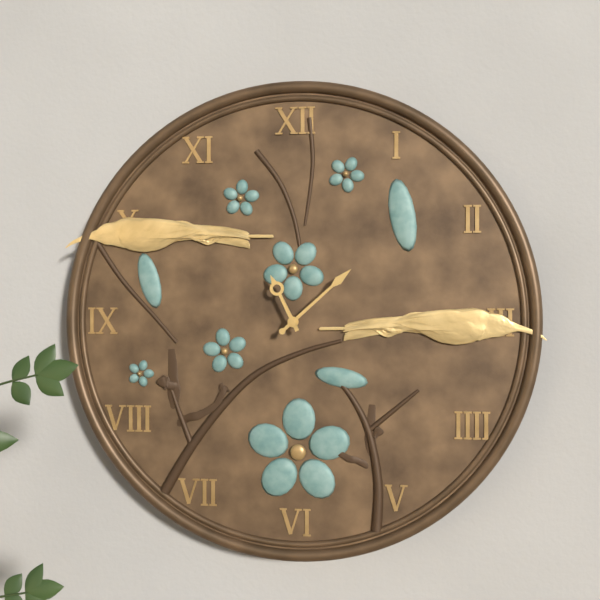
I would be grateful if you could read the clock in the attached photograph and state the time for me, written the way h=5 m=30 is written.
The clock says h=11 m=8
